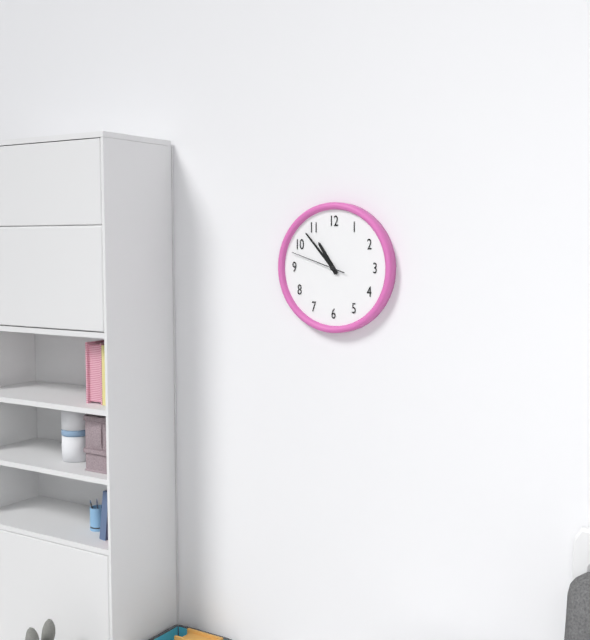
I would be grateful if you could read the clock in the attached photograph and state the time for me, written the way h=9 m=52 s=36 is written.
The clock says h=10 m=53 s=48
